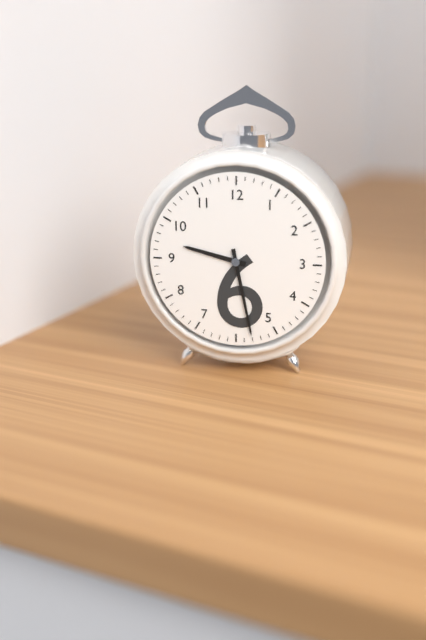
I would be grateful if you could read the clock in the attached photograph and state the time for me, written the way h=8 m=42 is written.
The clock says h=9 m=28
